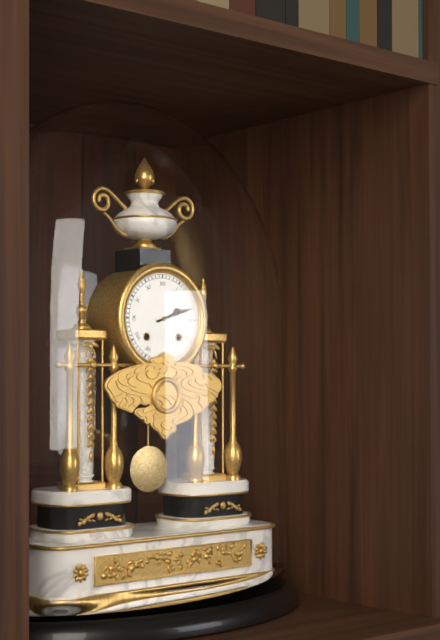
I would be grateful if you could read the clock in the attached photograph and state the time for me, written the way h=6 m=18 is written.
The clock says h=2 m=12
